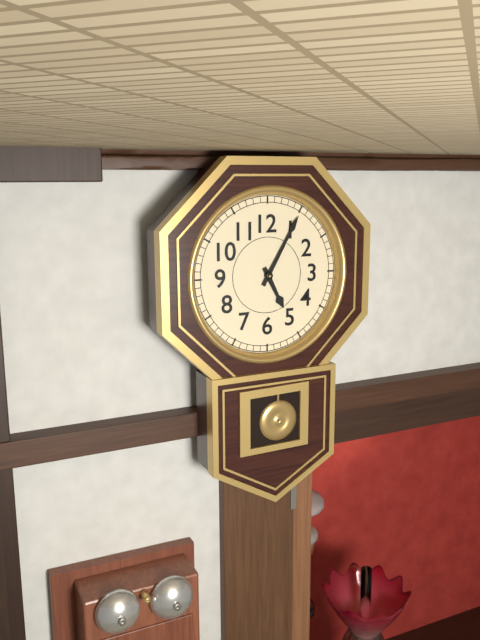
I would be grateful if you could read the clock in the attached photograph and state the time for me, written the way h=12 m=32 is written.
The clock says h=5 m=5
